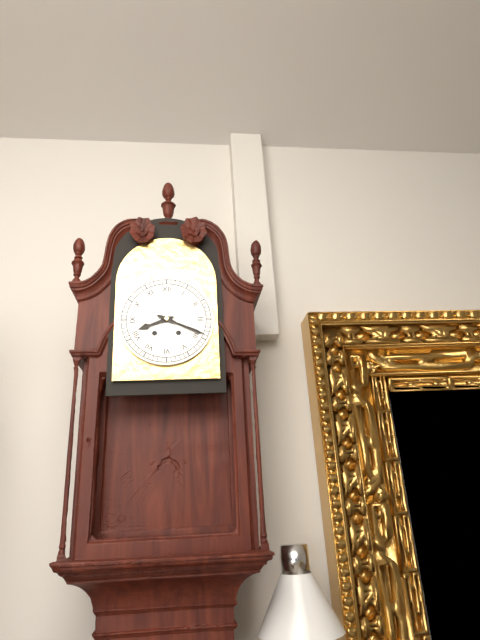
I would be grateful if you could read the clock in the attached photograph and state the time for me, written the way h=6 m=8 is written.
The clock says h=8 m=19
